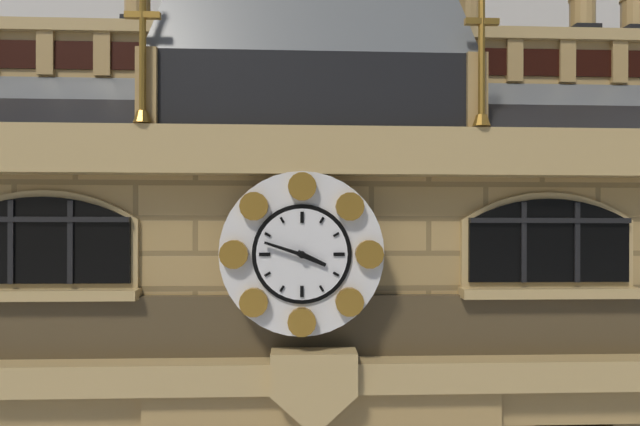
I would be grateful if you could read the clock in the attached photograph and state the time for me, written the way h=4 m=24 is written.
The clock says h=3 m=48
